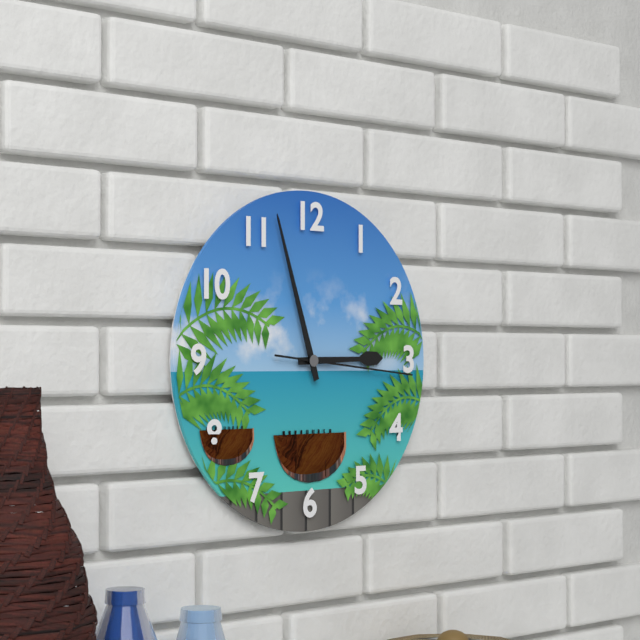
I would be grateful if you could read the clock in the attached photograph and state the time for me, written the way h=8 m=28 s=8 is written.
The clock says h=2 m=57 s=16
